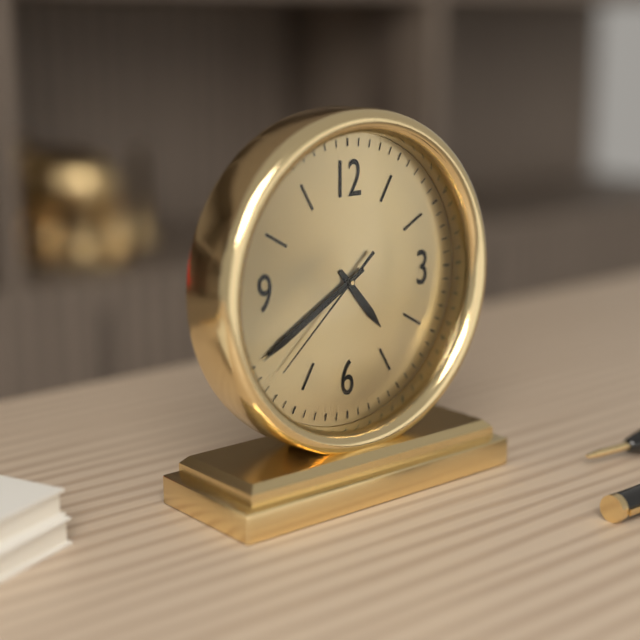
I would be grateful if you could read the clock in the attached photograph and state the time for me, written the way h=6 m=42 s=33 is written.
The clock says h=4 m=40 s=38
